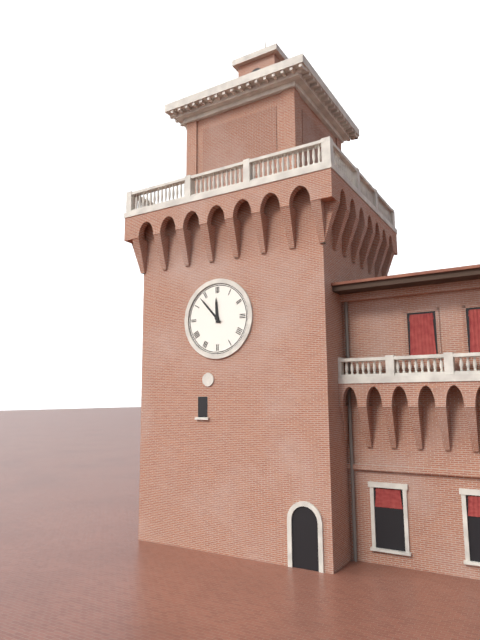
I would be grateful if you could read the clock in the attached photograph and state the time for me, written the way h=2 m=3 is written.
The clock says h=11 m=53
